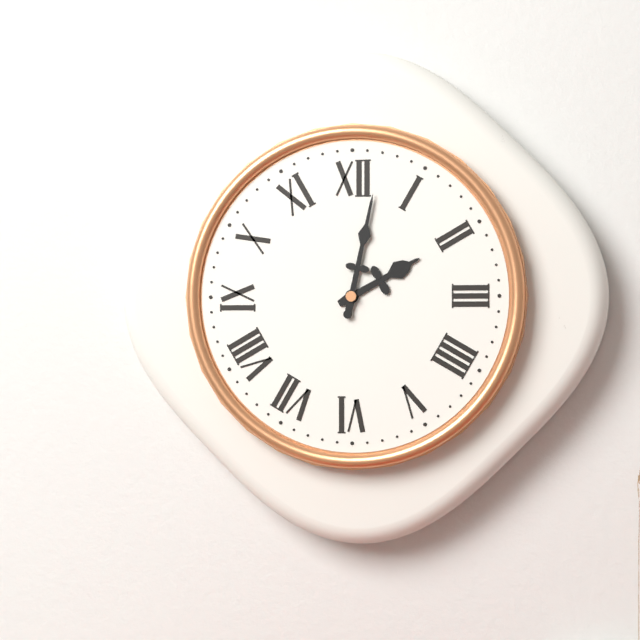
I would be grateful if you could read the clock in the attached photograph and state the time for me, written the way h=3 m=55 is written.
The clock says h=2 m=2
